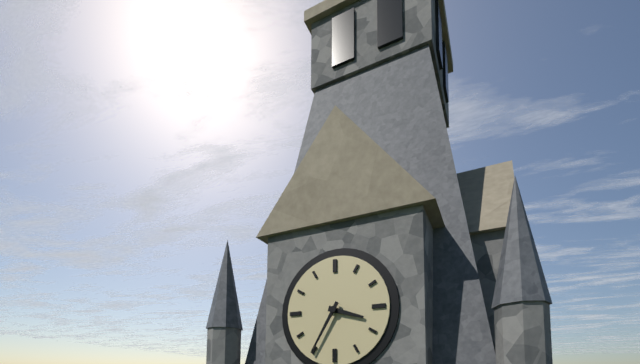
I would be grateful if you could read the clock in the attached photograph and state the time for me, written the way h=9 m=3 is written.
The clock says h=3 m=35
